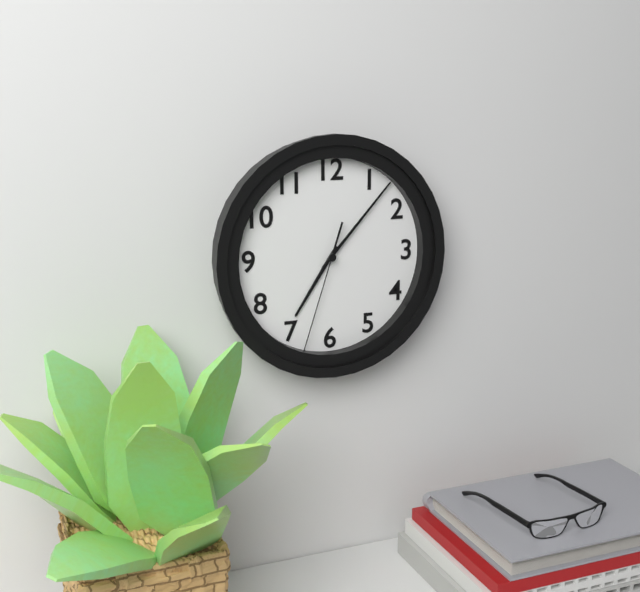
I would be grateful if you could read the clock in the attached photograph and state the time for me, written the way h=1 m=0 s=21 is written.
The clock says h=7 m=7 s=33
